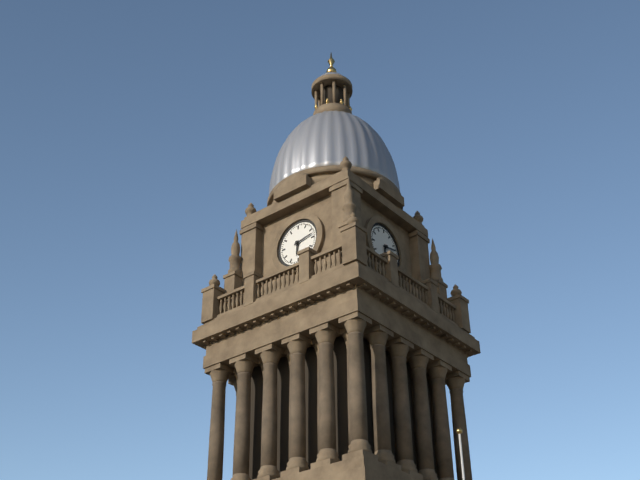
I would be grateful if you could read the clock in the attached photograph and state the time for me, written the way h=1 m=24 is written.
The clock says h=6 m=13
